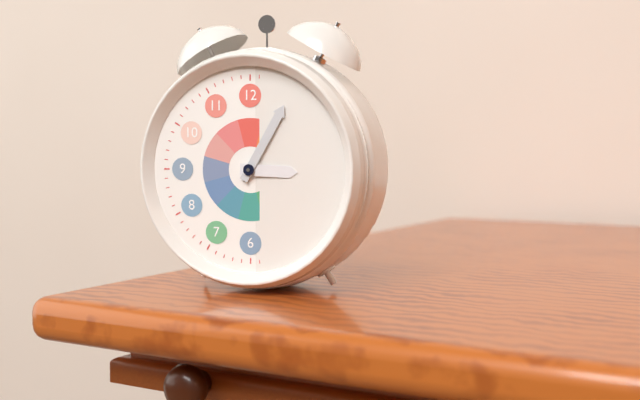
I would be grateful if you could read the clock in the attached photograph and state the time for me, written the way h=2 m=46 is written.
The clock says h=3 m=5
